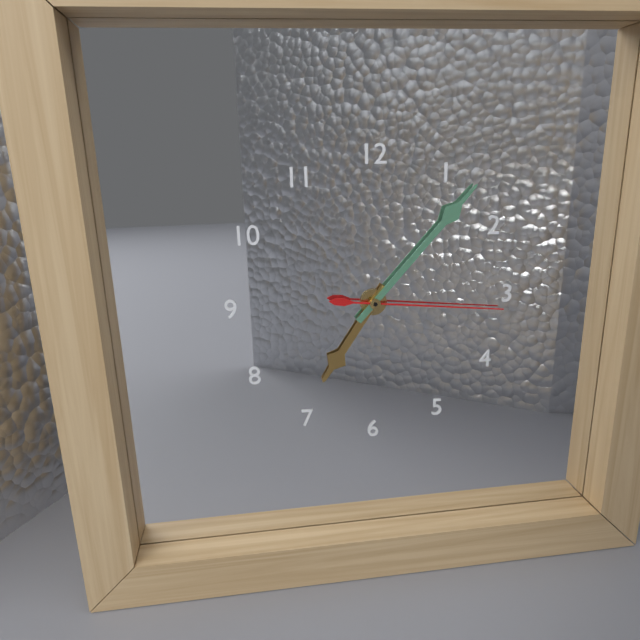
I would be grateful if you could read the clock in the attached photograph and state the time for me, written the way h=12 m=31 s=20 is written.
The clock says h=7 m=7 s=16
